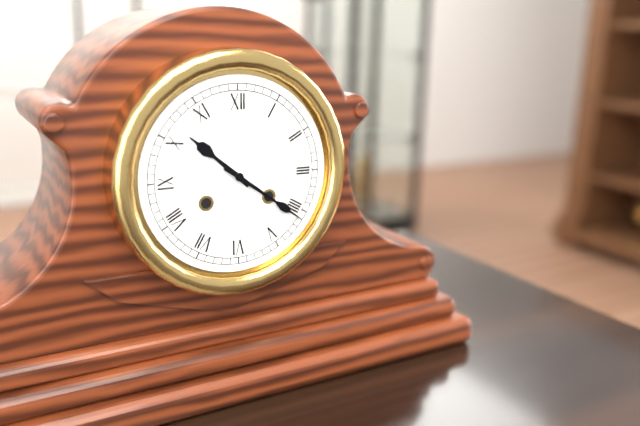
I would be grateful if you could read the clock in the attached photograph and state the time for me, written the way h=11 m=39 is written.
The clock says h=10 m=21
